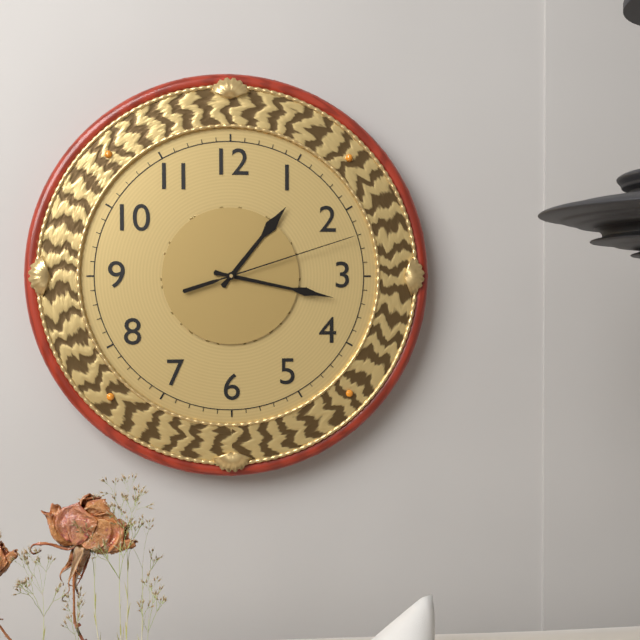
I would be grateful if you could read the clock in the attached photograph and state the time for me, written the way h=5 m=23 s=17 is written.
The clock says h=1 m=17 s=12
